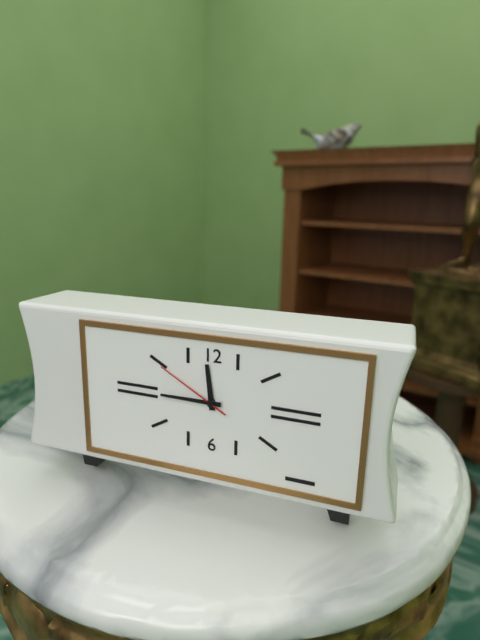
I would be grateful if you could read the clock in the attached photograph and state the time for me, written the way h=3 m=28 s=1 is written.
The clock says h=11 m=45 s=50
